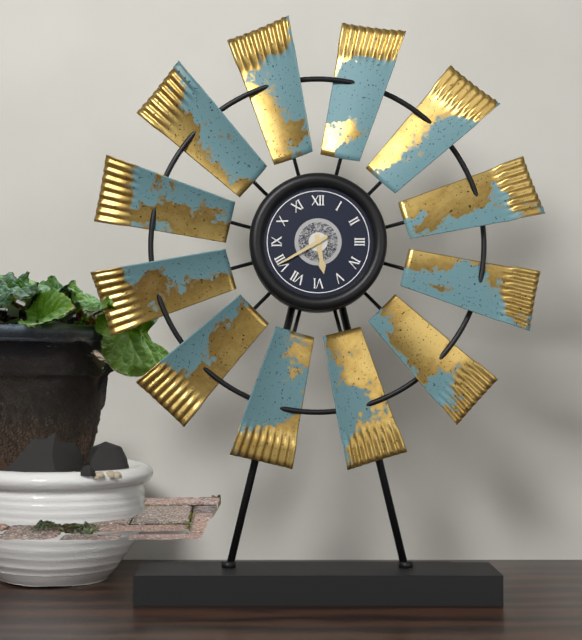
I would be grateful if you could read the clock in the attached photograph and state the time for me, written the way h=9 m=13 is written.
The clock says h=5 m=40
